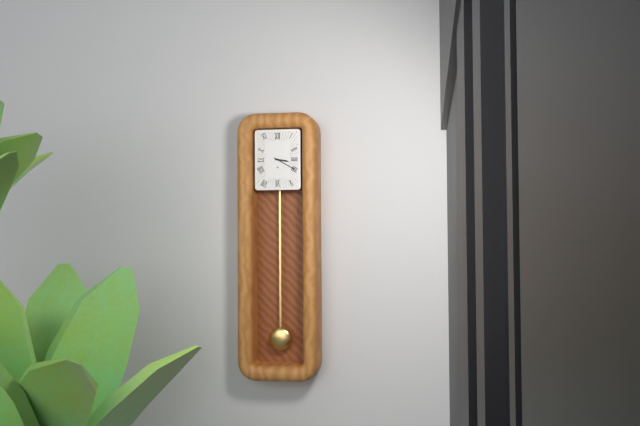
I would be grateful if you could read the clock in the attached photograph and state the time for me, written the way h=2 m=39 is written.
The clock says h=3 m=20
